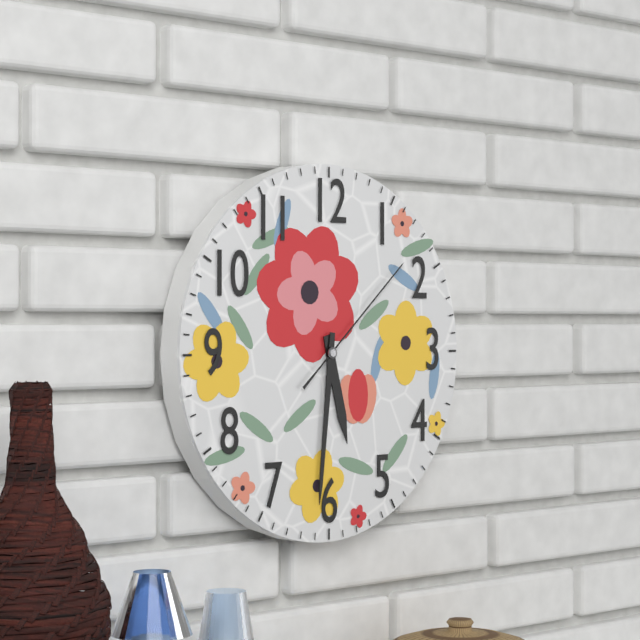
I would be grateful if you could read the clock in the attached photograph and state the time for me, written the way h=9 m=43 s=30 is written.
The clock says h=5 m=31 s=8
